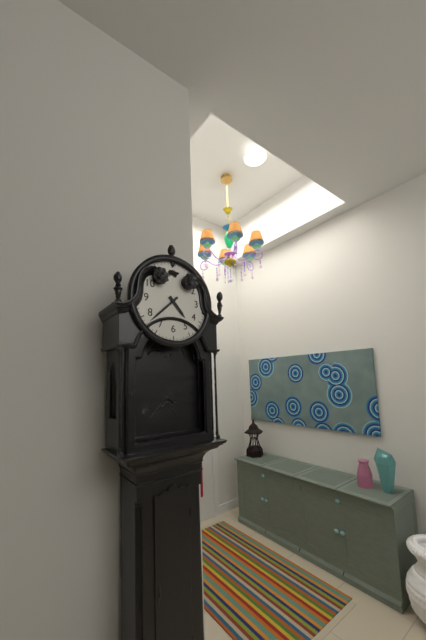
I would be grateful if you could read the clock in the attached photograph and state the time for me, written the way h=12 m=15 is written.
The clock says h=4 m=38
